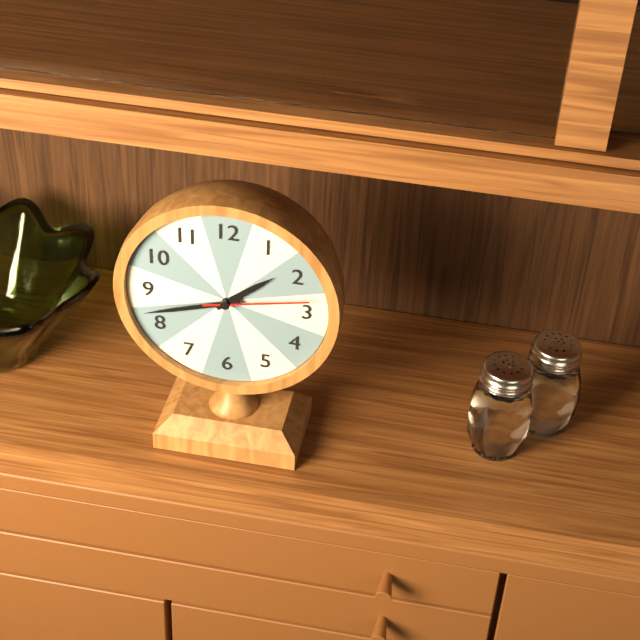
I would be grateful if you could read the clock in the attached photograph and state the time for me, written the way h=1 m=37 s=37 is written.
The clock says h=1 m=42 s=13
